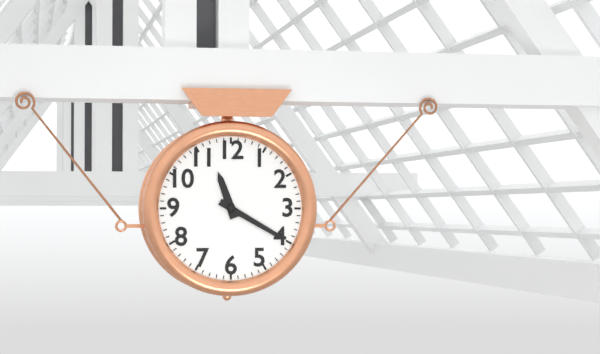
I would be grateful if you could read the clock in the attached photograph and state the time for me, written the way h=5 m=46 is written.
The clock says h=11 m=20
